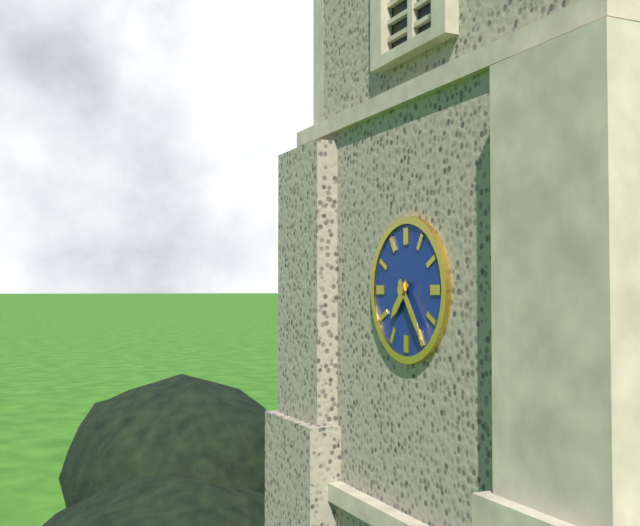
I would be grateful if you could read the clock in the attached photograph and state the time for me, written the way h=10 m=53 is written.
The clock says h=7 m=24
